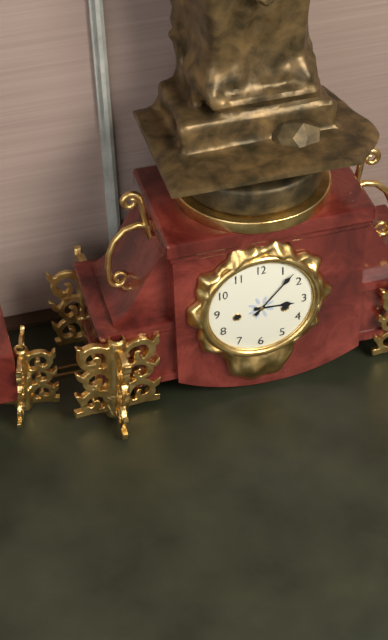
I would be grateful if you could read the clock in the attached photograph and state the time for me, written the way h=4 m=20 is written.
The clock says h=3 m=7
